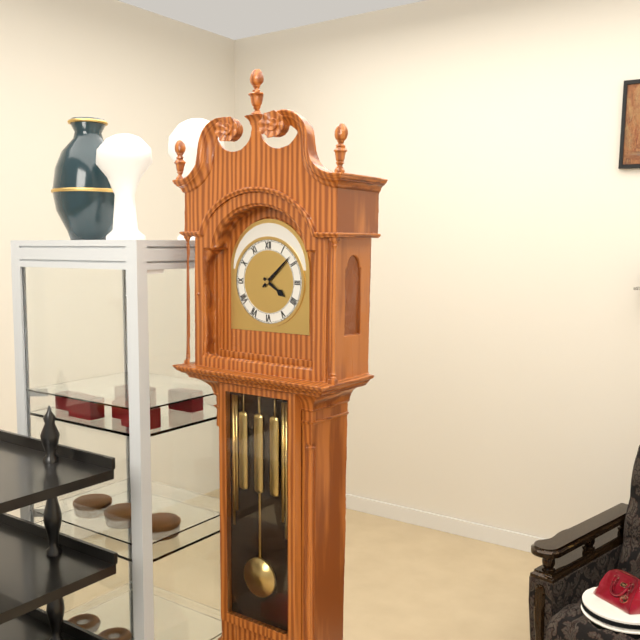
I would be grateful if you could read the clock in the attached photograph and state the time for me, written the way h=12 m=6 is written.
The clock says h=4 m=8
